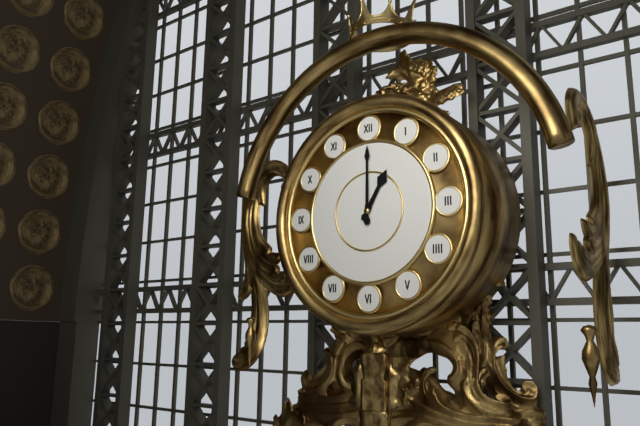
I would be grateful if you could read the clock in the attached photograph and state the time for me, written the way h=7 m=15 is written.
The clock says h=1 m=0
